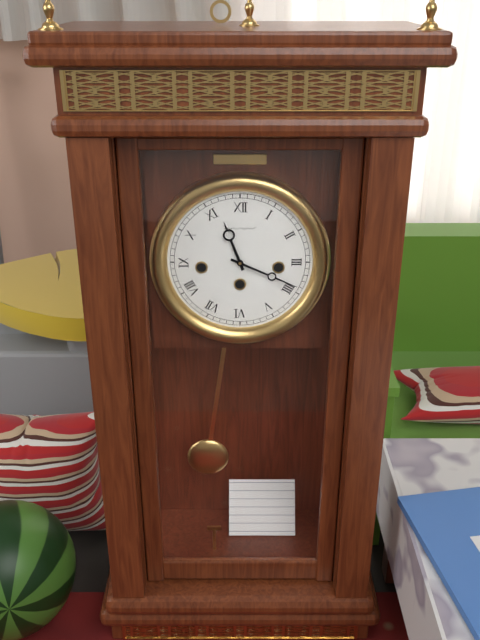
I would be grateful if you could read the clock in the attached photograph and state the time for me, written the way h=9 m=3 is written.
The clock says h=11 m=19
